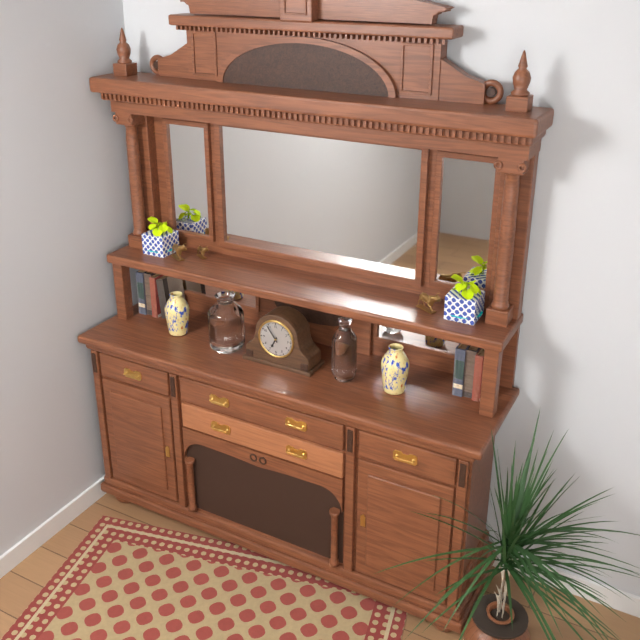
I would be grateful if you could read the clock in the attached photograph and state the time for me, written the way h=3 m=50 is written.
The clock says h=6 m=54
